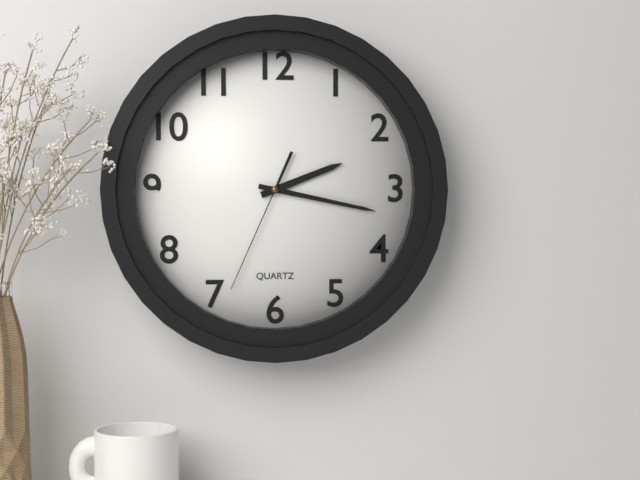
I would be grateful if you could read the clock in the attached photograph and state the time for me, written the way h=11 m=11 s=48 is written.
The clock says h=2 m=17 s=34
